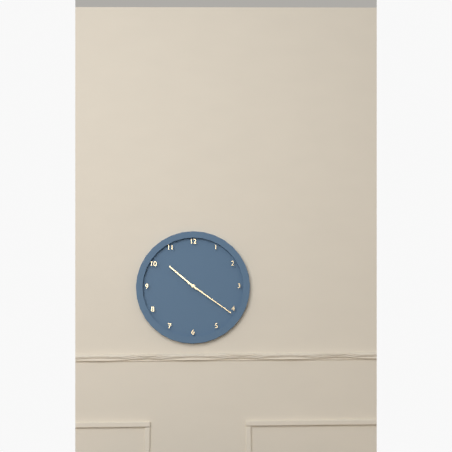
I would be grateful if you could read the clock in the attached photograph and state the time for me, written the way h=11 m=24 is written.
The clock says h=10 m=21
